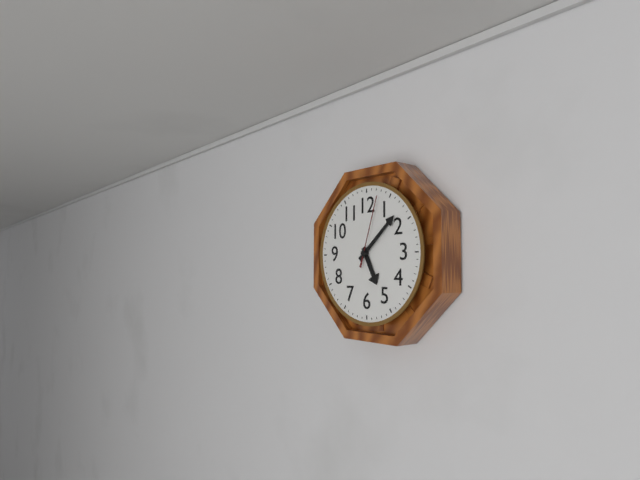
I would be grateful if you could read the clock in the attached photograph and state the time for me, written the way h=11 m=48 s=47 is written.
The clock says h=5 m=8 s=3
